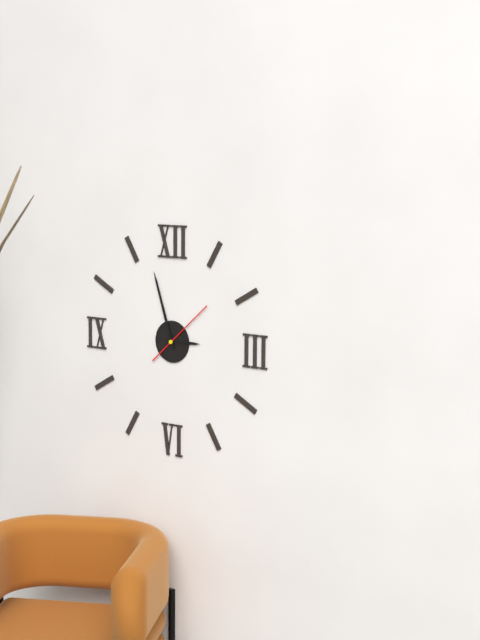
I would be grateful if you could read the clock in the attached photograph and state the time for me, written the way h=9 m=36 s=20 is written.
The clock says h=2 m=57 s=8
